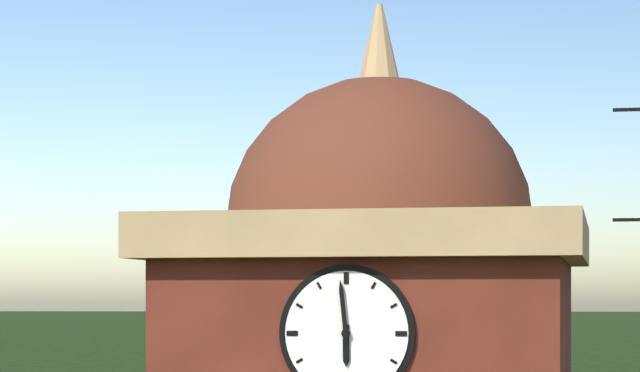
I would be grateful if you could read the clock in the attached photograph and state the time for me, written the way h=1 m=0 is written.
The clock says h=5 m=59
